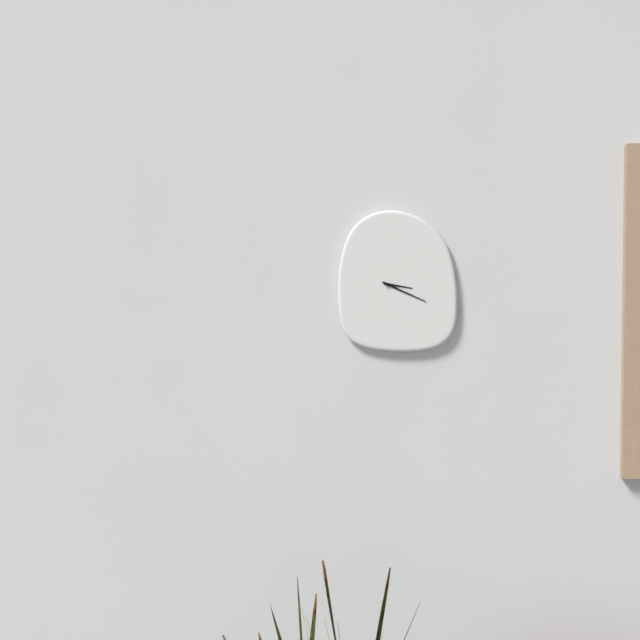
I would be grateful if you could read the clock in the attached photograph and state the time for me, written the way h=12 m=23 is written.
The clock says h=3 m=19
